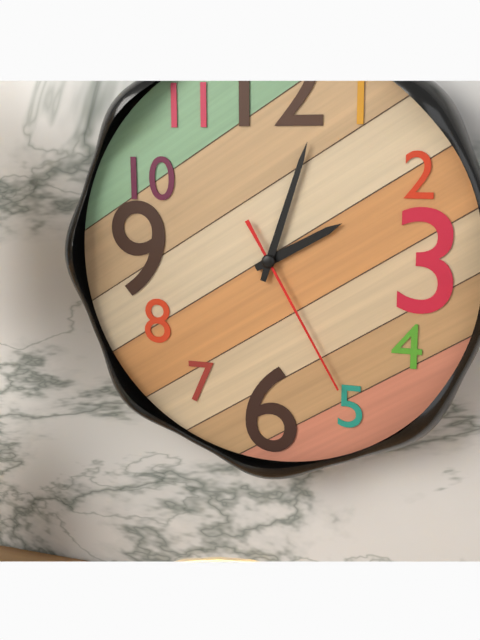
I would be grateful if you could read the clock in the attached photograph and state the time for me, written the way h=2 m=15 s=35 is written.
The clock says h=2 m=3 s=25
